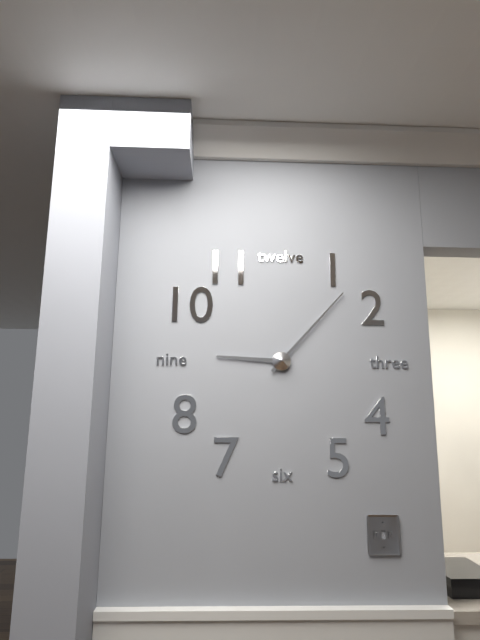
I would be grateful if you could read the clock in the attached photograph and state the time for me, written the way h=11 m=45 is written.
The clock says h=9 m=7
